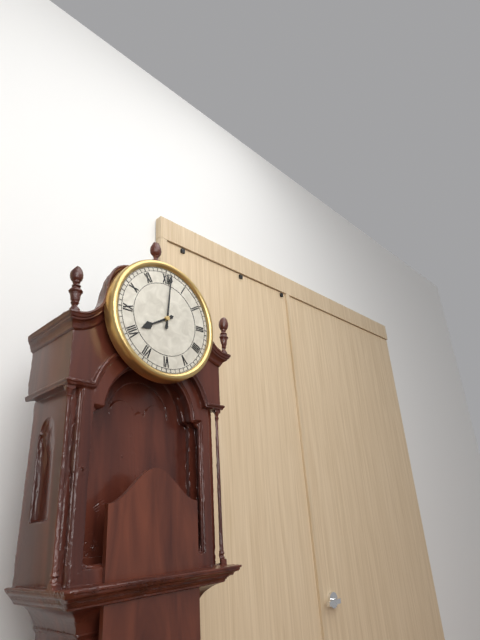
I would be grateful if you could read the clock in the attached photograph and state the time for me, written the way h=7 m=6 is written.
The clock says h=8 m=1
